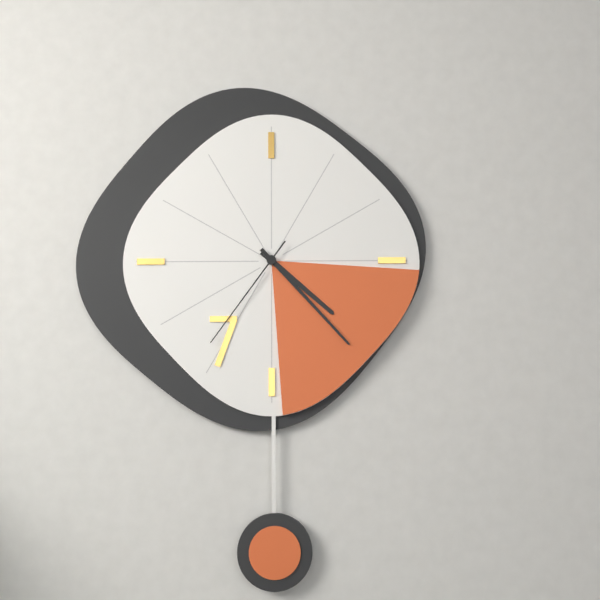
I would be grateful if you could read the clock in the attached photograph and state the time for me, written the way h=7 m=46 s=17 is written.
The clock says h=4 m=23 s=36
